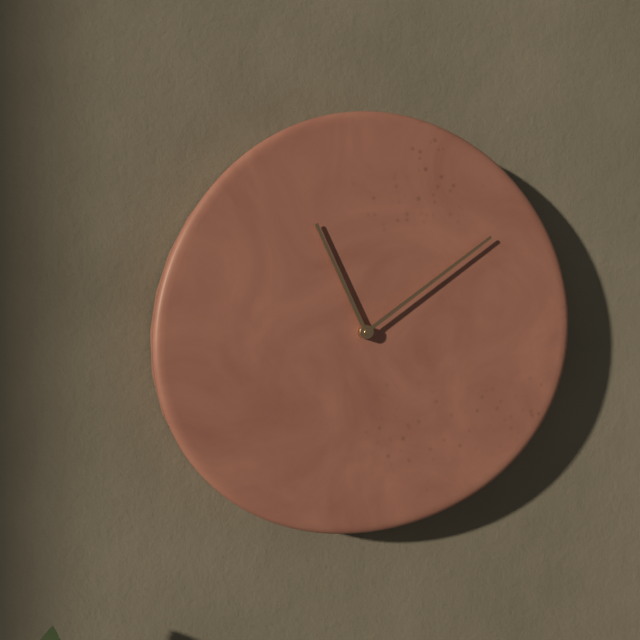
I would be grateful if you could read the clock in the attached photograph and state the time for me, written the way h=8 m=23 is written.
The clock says h=11 m=9
